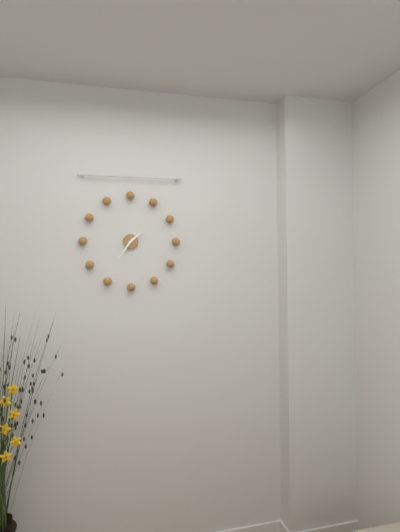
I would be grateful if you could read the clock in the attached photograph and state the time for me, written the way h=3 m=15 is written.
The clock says h=1 m=36
